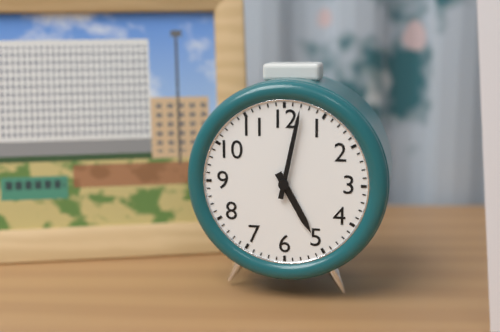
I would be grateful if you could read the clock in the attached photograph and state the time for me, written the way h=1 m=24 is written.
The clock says h=5 m=2
